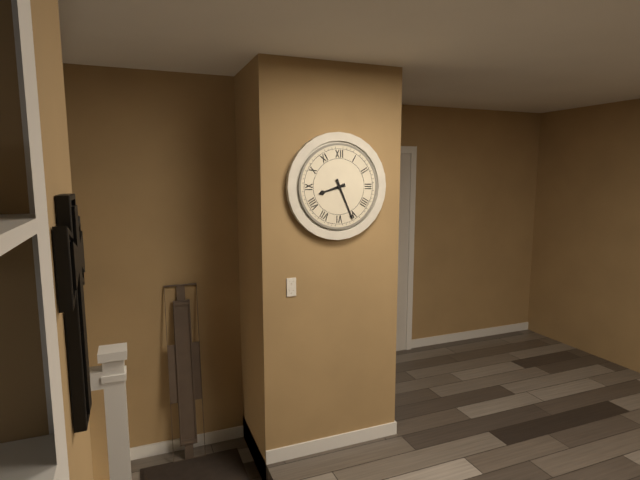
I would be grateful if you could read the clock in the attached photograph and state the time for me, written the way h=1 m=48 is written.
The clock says h=8 m=26
